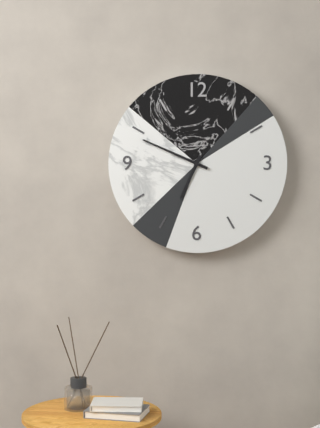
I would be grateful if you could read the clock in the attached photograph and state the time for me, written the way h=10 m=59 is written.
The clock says h=6 m=49
